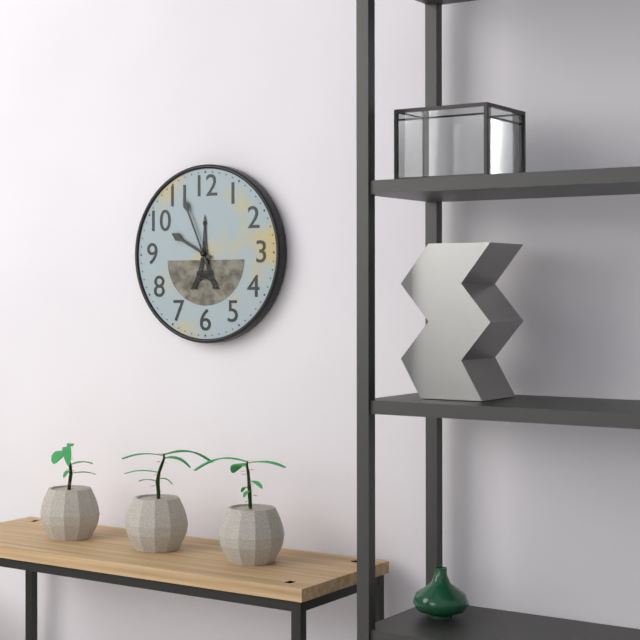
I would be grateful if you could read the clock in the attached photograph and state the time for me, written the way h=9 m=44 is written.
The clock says h=9 m=56
